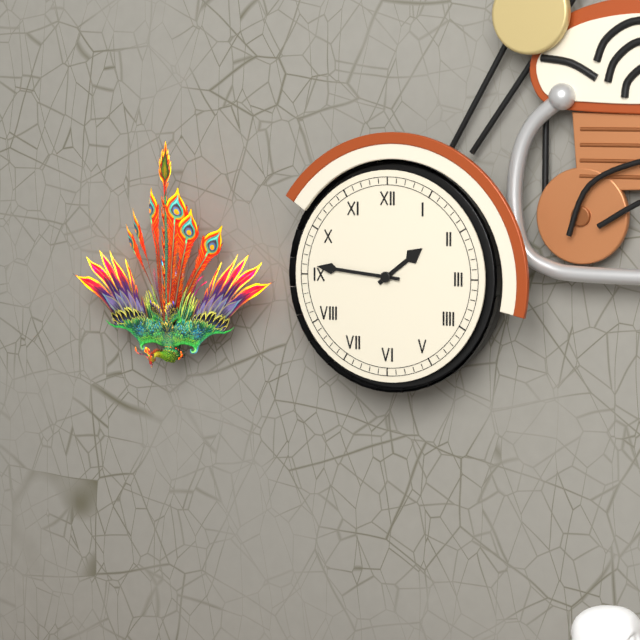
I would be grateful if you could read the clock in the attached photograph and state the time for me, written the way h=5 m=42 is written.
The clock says h=1 m=46
